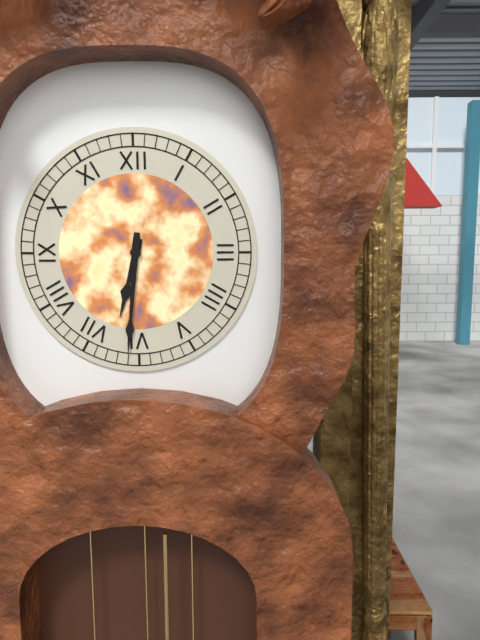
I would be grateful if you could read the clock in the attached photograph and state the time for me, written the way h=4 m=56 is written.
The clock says h=6 m=31
